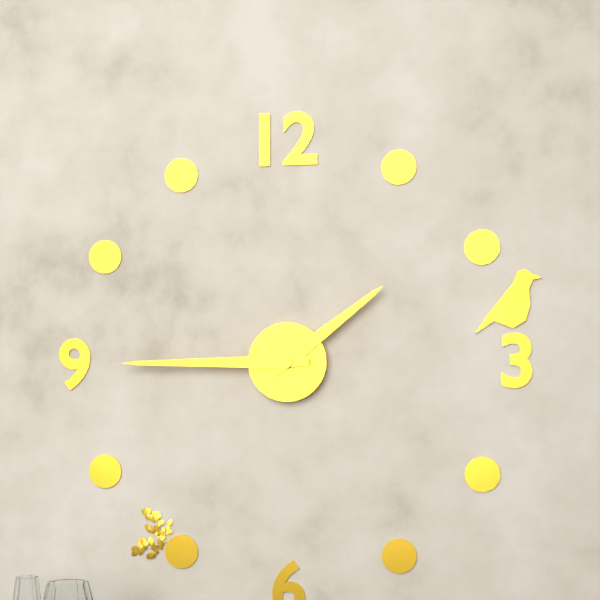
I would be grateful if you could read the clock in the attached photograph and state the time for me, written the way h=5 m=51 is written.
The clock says h=1 m=45
